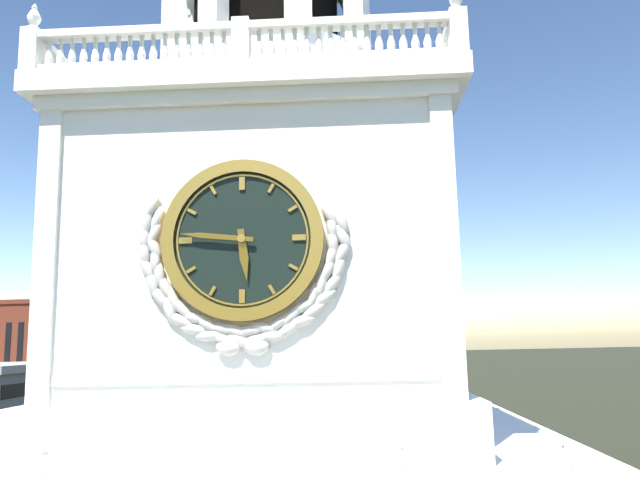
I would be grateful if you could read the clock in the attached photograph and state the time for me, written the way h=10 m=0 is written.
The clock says h=5 m=46
